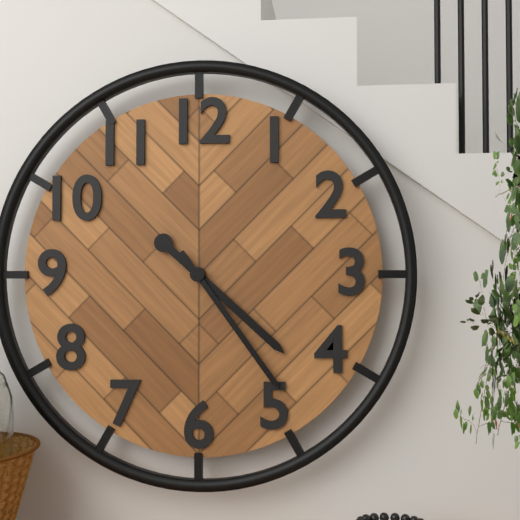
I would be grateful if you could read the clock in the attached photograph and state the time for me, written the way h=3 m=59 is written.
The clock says h=4 m=24
